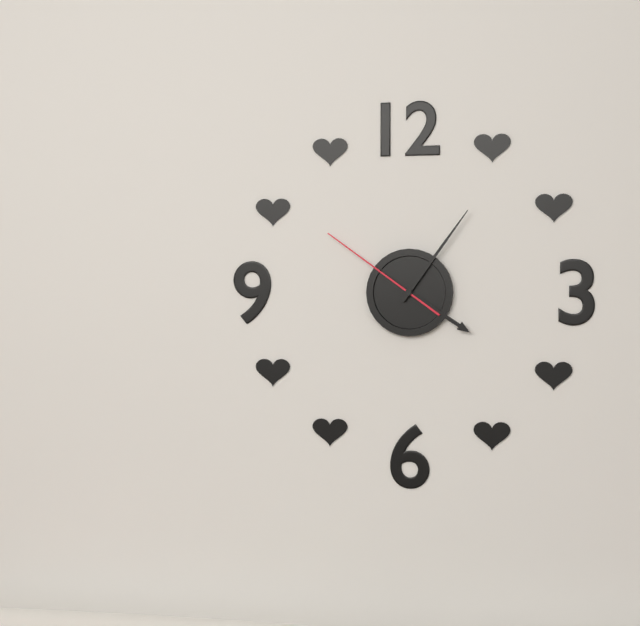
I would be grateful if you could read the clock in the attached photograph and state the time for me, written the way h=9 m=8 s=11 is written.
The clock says h=4 m=6 s=51
